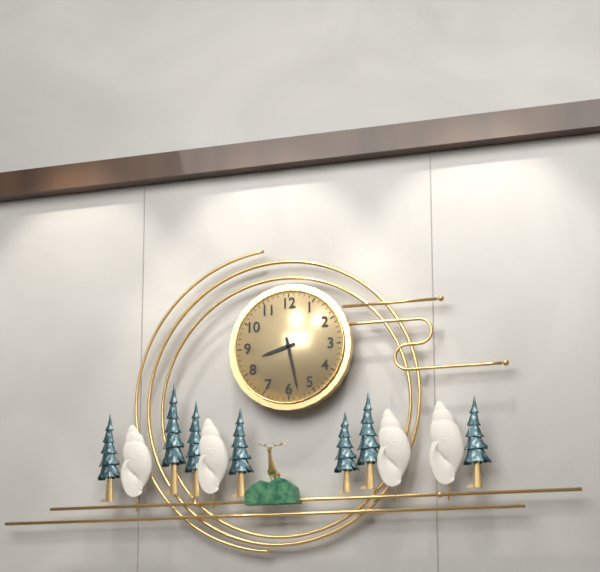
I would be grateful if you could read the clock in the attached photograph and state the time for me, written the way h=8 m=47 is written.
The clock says h=8 m=28
